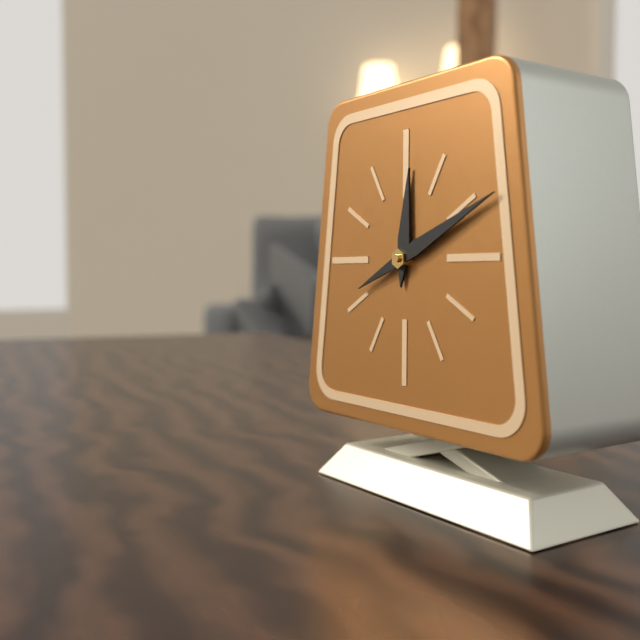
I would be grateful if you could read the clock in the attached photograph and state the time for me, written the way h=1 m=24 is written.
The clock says h=12 m=11
